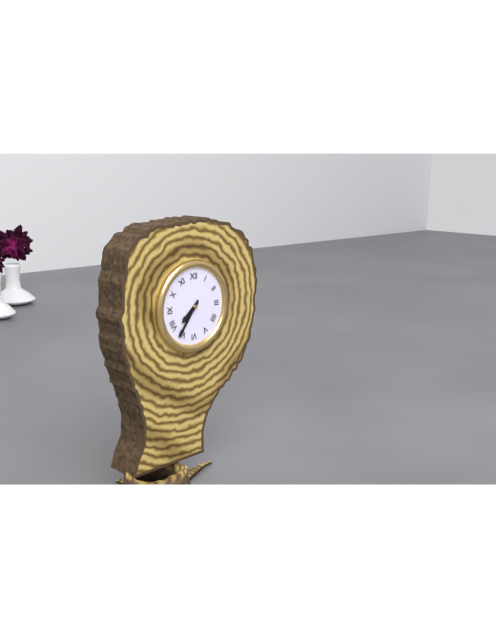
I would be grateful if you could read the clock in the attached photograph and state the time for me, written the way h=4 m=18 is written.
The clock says h=7 m=36
